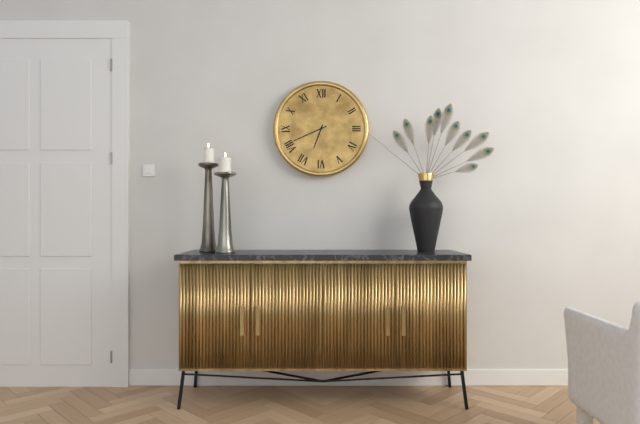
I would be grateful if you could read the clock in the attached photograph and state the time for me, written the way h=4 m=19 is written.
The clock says h=6 m=41
